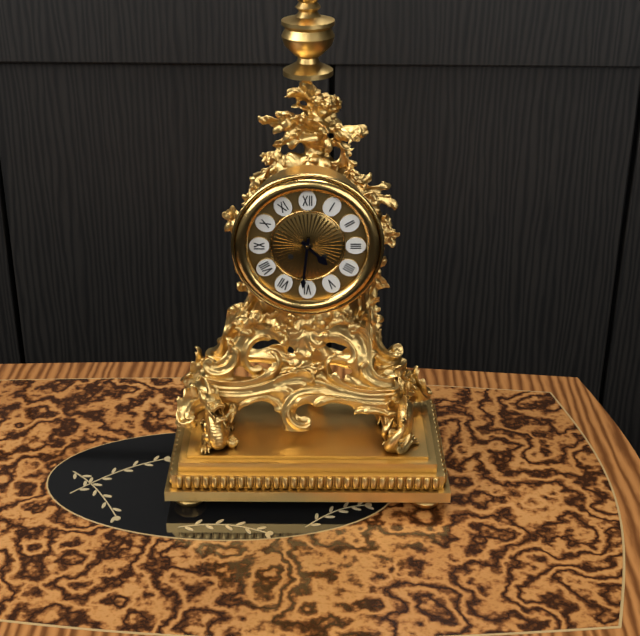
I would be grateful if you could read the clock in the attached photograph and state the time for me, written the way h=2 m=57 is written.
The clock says h=4 m=31
